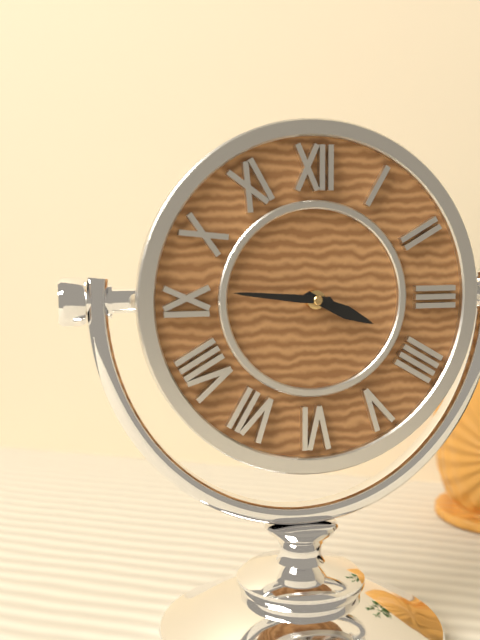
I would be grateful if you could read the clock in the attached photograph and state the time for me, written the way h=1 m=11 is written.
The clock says h=3 m=46
